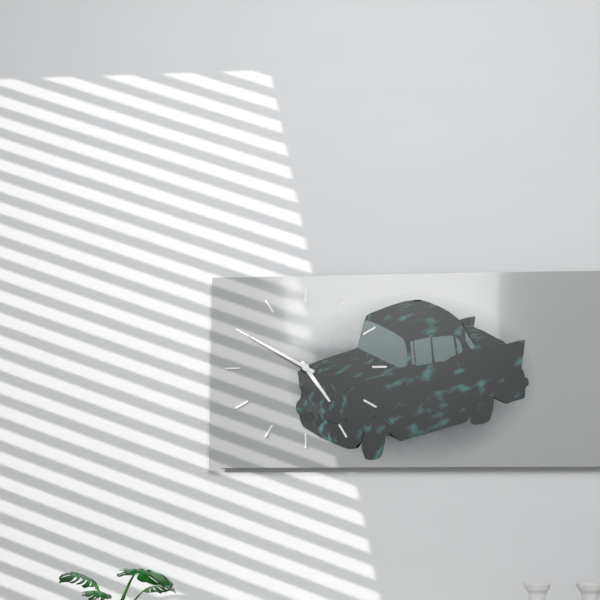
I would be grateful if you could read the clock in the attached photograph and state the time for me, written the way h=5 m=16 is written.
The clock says h=4 m=50
